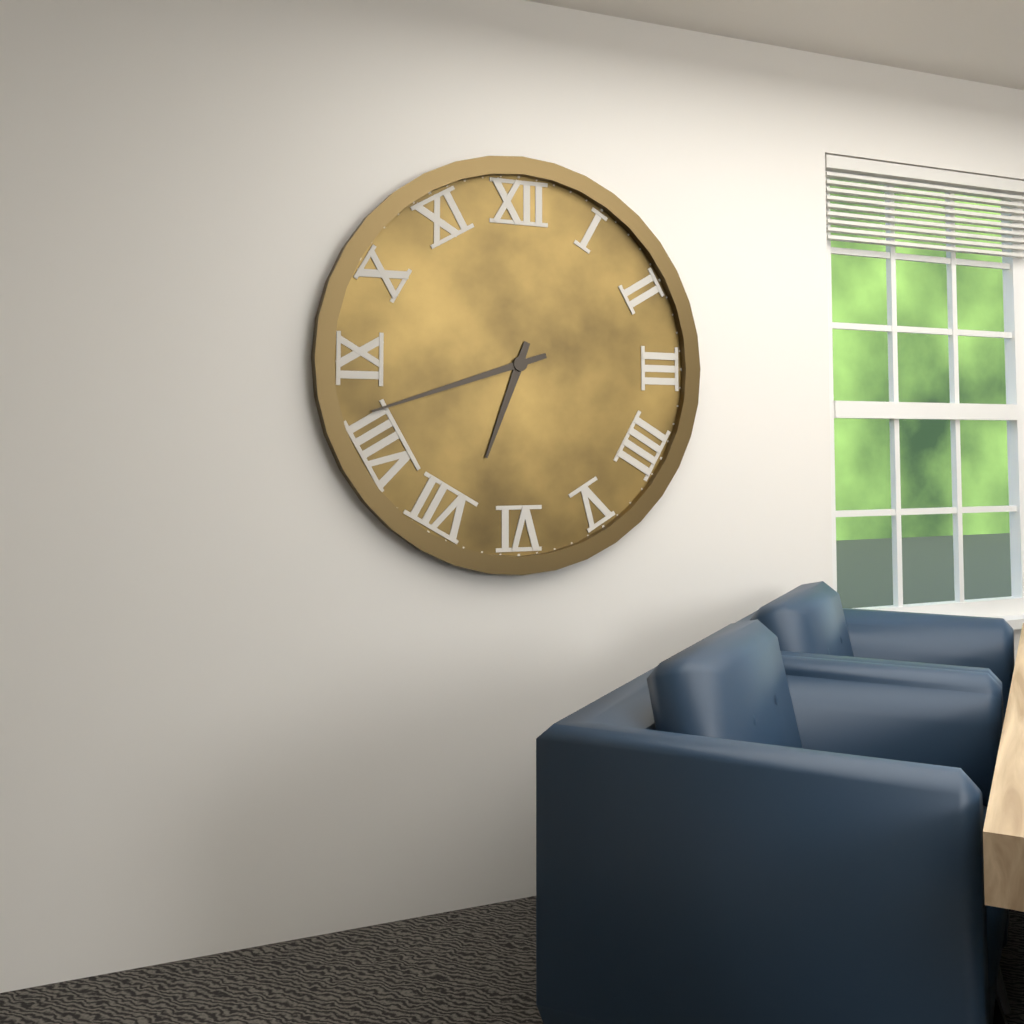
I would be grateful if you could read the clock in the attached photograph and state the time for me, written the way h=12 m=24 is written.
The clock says h=6 m=42
